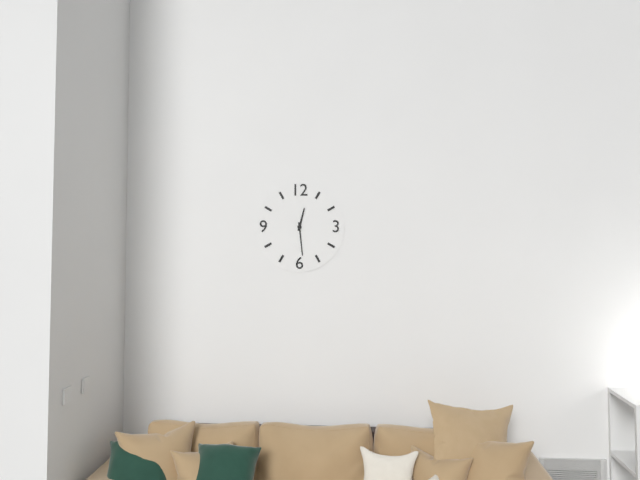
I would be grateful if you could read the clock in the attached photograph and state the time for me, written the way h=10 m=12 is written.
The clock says h=12 m=29
